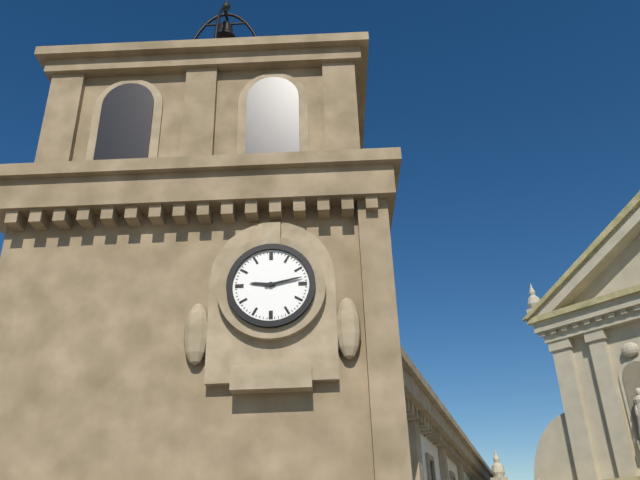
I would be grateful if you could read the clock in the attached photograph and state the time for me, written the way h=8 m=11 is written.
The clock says h=9 m=13
